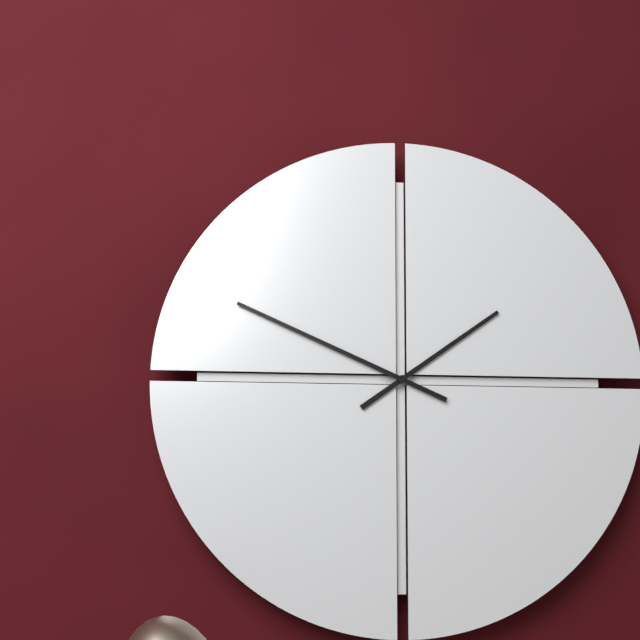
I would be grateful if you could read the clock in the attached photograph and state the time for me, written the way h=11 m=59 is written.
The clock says h=1 m=49
